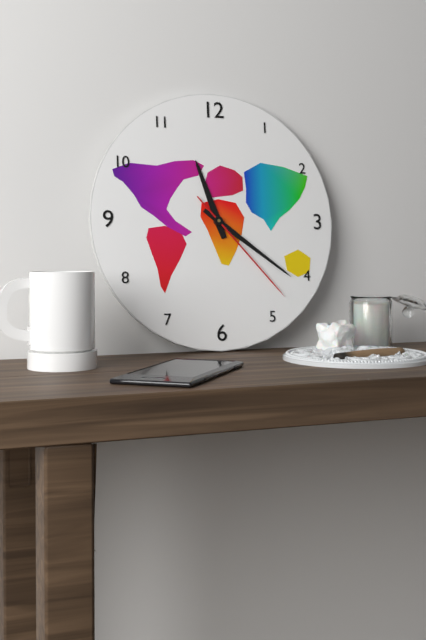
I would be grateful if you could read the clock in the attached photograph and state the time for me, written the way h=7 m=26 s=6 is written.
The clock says h=11 m=21 s=23
